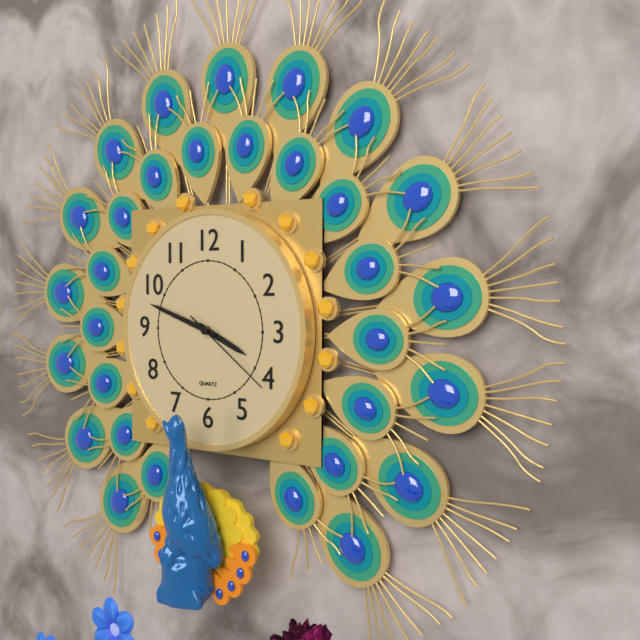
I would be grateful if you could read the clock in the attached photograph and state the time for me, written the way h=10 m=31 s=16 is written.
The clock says h=3 m=48 s=21
